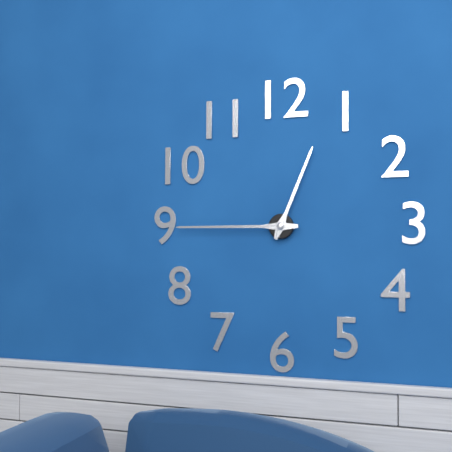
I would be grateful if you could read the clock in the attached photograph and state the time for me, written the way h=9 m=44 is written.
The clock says h=12 m=45
